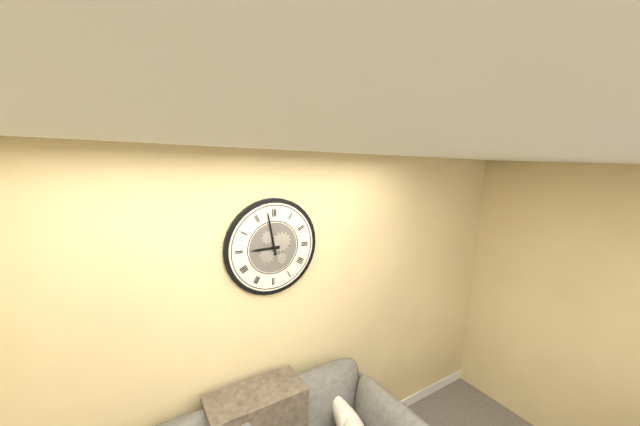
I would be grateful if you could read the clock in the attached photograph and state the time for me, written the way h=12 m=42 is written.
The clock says h=8 m=58
